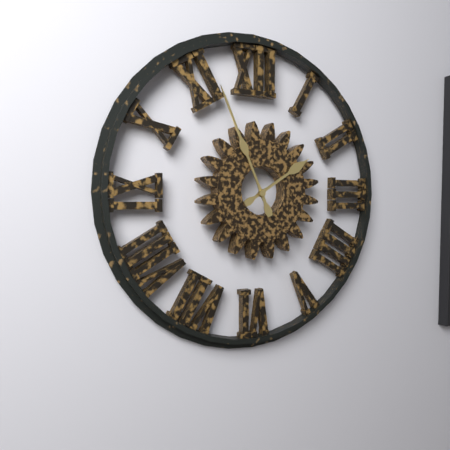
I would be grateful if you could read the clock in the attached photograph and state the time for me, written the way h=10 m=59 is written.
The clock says h=1 m=56
